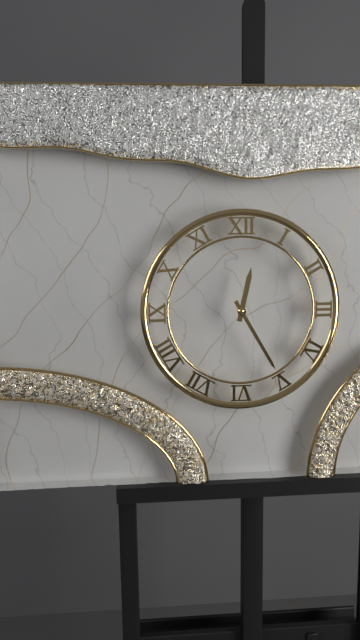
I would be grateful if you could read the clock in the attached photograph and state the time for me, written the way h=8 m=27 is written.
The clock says h=12 m=25
